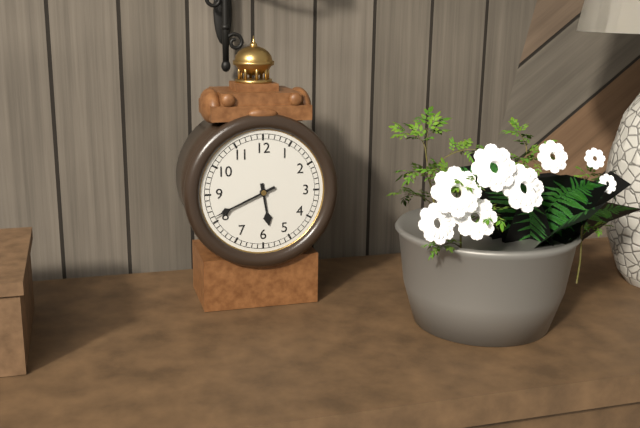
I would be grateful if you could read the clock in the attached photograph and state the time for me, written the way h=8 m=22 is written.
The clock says h=5 m=41
